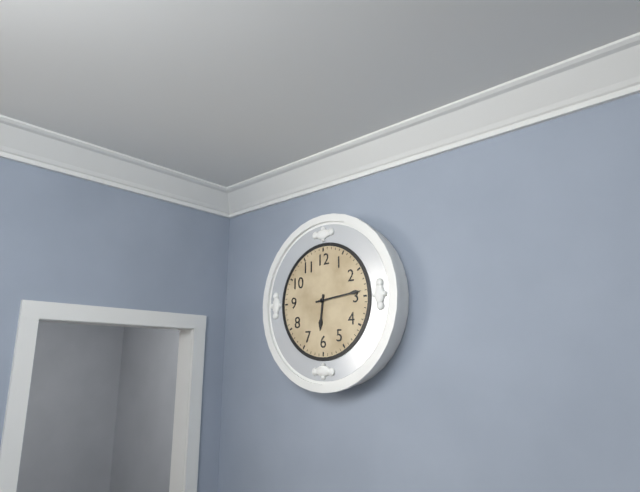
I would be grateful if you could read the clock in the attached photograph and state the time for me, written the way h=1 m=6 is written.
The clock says h=6 m=14
